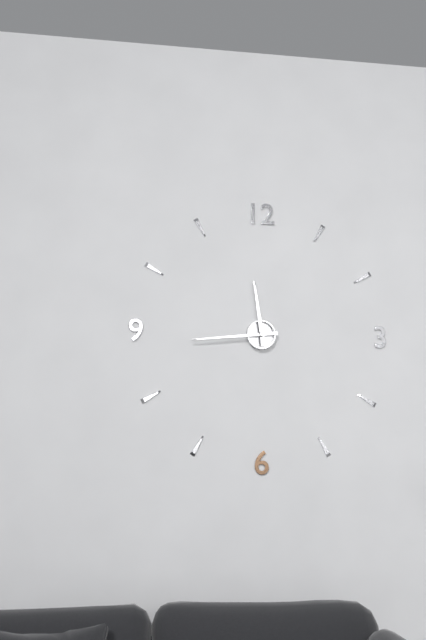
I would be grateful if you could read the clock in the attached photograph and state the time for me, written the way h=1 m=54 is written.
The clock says h=11 m=44
